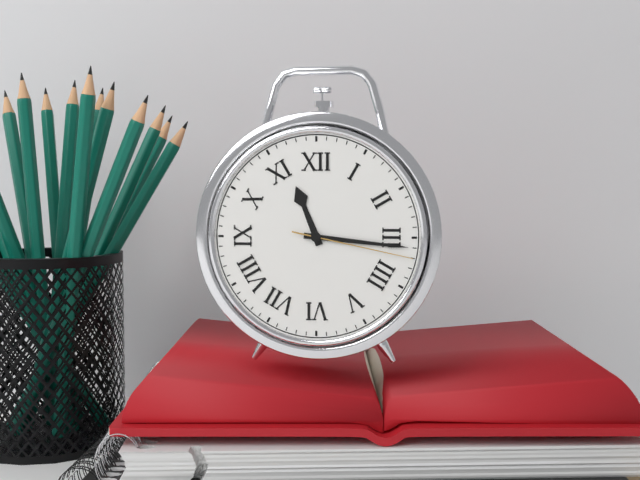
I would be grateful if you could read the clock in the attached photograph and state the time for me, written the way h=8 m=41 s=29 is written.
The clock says h=11 m=16 s=17
